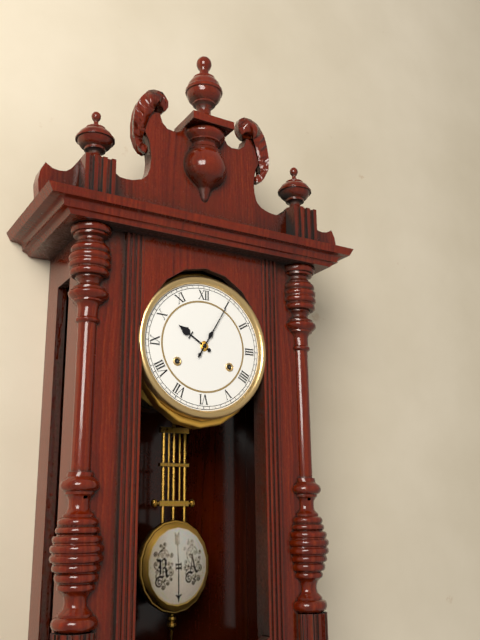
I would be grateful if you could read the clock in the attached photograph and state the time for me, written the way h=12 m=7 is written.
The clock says h=10 m=5
